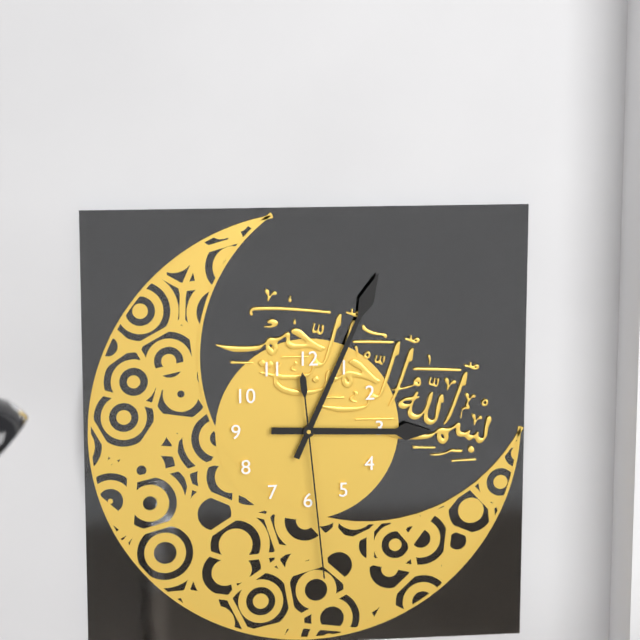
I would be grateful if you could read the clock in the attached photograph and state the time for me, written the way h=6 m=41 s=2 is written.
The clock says h=3 m=4 s=29
